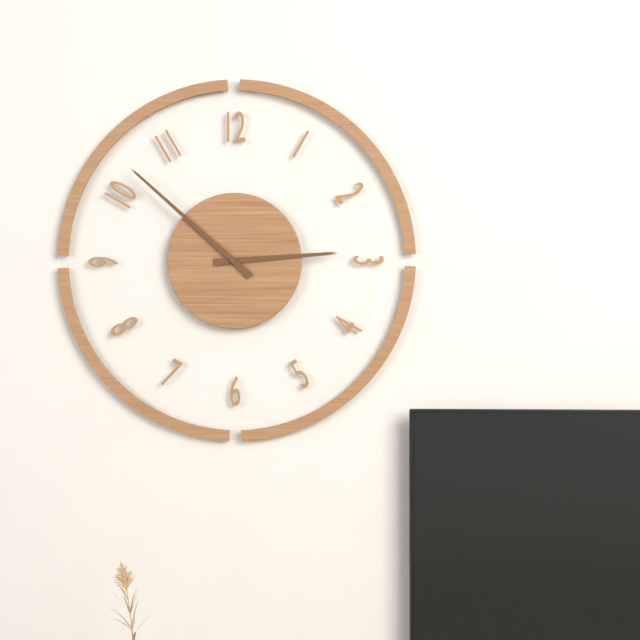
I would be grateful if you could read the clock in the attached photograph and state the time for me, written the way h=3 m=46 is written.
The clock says h=2 m=52
